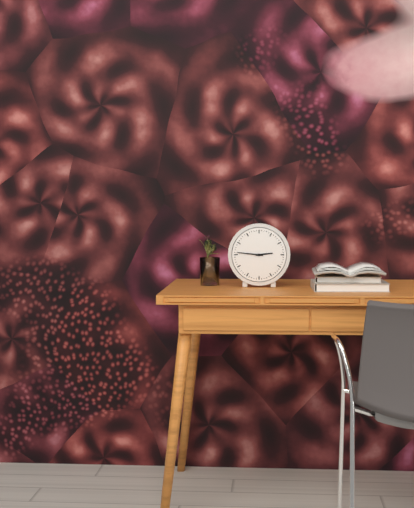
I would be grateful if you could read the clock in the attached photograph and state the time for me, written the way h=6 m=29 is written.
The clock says h=2 m=46
